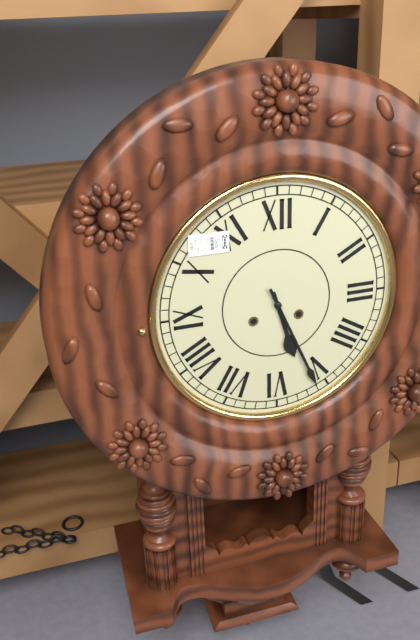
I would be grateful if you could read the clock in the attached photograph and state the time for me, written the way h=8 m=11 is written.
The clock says h=5 m=26
